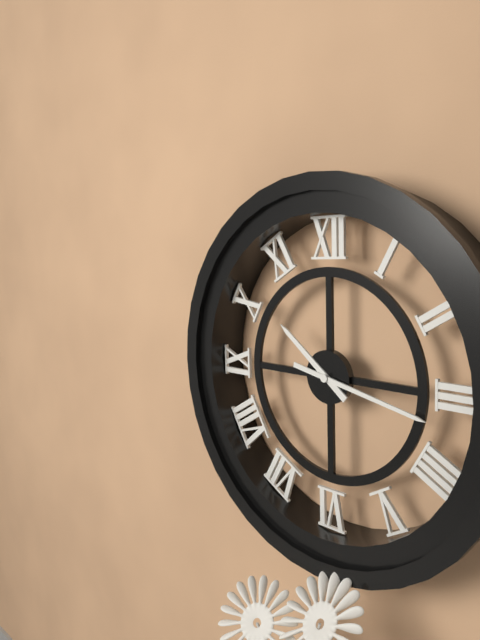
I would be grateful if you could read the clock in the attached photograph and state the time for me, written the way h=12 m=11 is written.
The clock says h=10 m=17
